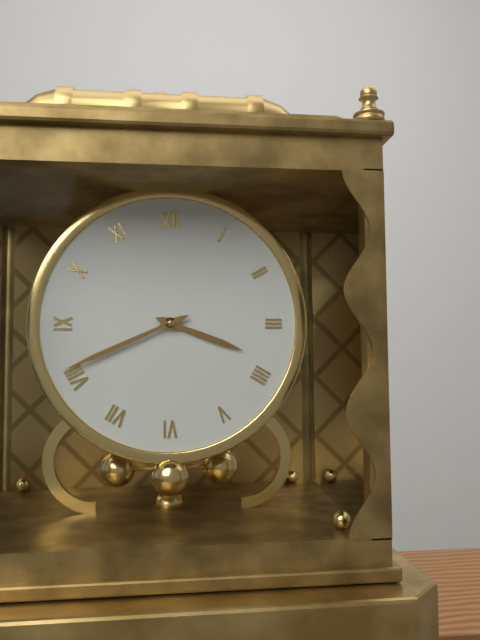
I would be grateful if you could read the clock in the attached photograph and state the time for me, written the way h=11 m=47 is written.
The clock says h=3 m=41
